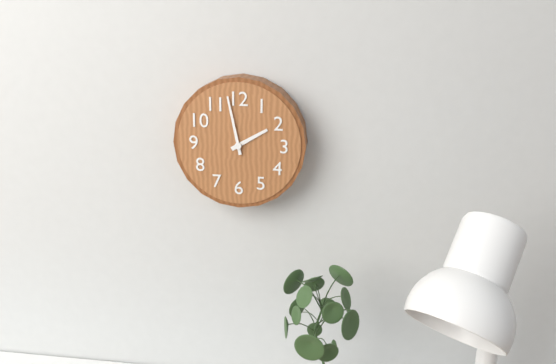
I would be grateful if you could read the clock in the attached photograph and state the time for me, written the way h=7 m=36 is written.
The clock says h=1 m=58
